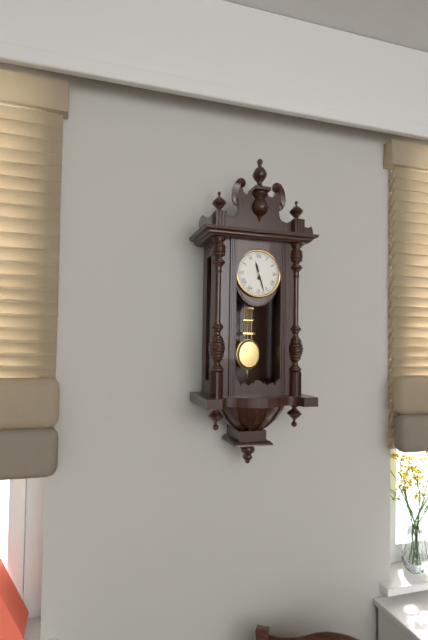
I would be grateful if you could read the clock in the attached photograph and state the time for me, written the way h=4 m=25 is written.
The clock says h=11 m=27
